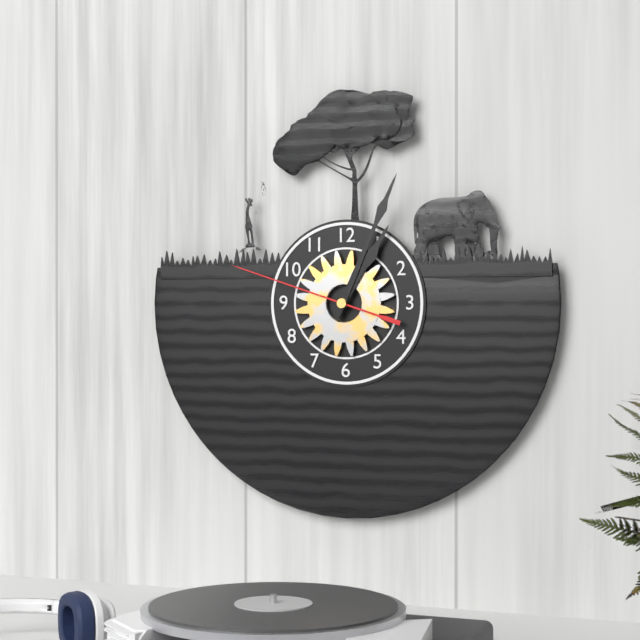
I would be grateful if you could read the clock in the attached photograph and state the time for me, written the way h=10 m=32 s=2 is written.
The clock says h=1 m=4 s=48
